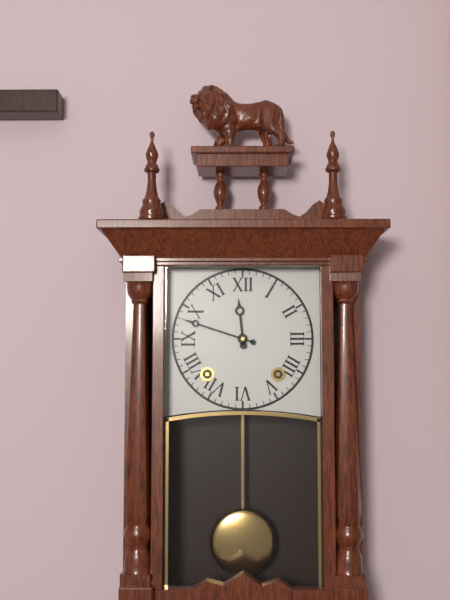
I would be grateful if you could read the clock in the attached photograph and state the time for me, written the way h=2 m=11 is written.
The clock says h=11 m=48
